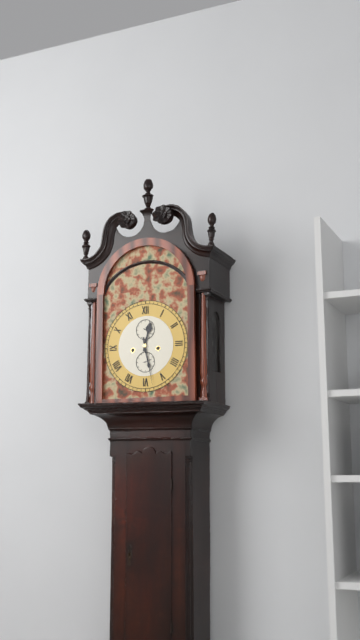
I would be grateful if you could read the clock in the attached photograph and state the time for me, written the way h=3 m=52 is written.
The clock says h=12 m=28
